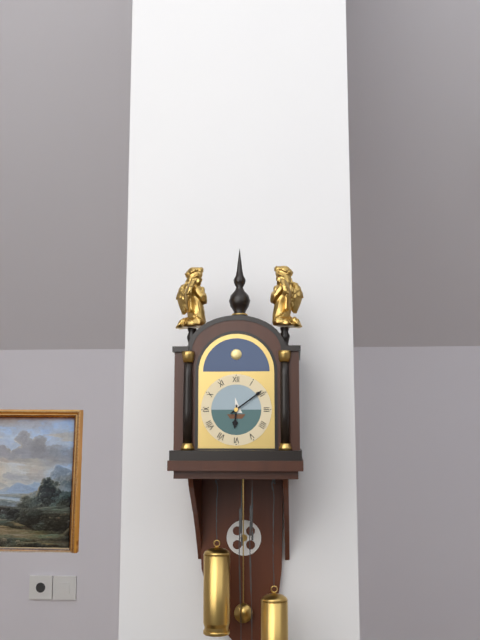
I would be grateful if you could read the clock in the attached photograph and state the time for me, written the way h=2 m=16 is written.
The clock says h=6 m=9
